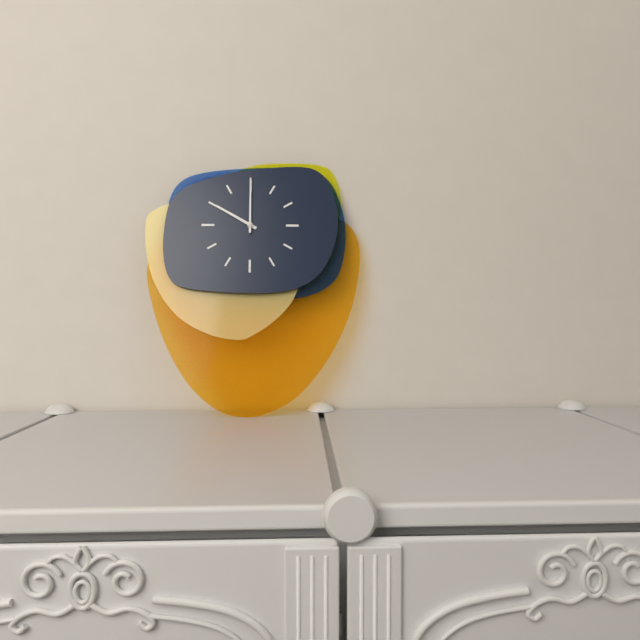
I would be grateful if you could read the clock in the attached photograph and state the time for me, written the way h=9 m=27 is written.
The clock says h=10 m=0
